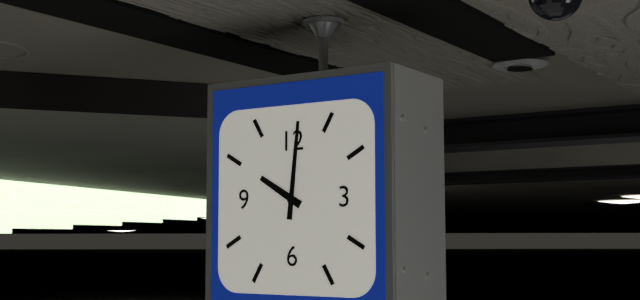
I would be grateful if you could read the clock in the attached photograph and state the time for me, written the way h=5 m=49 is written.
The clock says h=10 m=1
